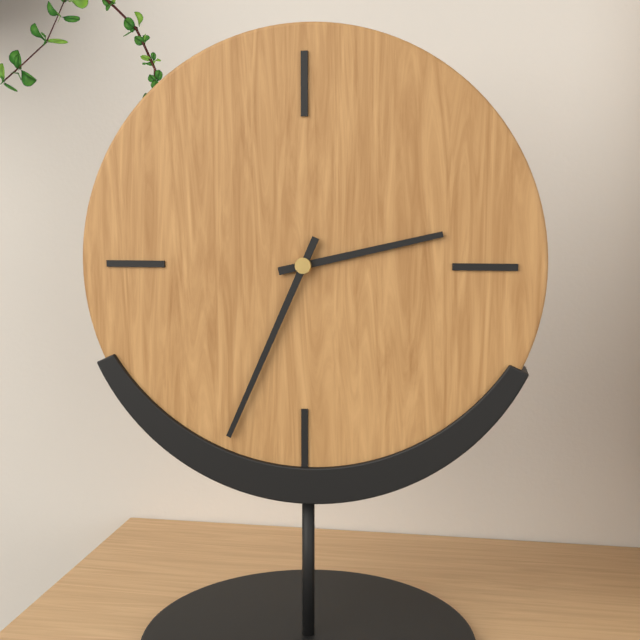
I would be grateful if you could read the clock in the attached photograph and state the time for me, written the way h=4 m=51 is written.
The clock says h=2 m=34
